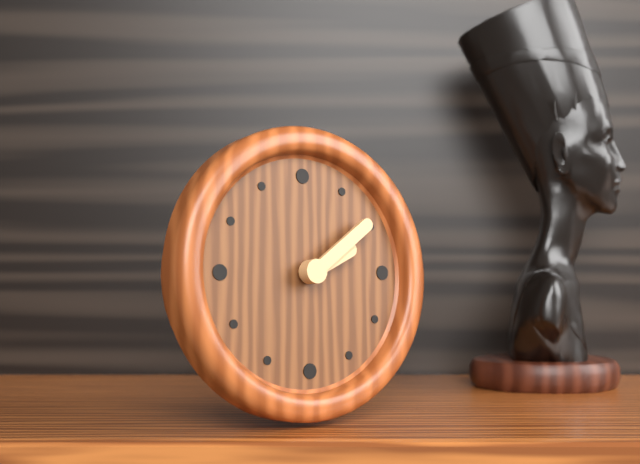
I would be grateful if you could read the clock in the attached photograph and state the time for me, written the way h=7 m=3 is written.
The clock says h=2 m=9
